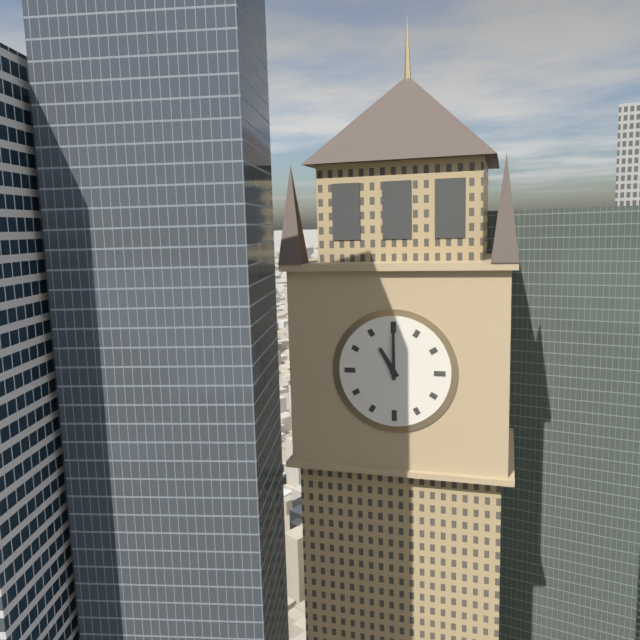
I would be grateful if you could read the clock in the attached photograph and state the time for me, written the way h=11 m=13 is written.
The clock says h=11 m=0
